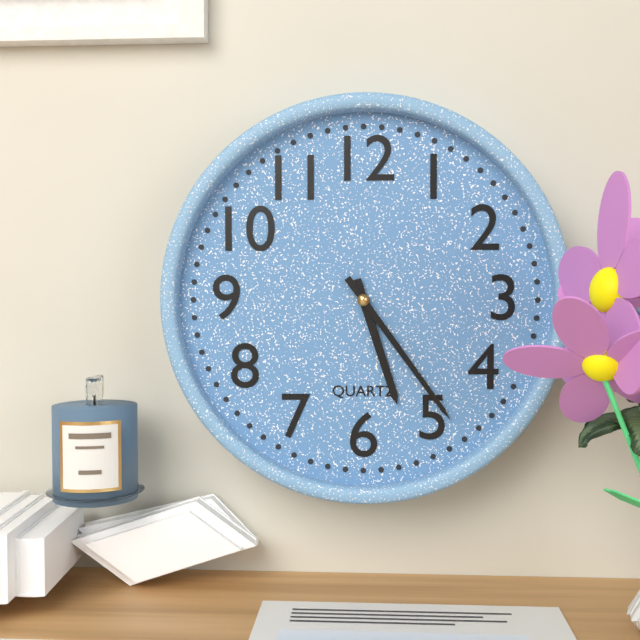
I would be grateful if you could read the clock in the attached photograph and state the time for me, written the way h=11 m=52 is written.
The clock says h=5 m=24
